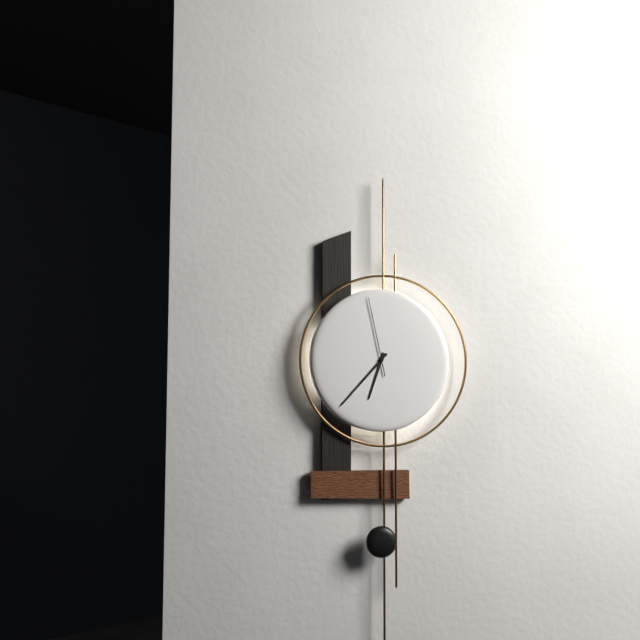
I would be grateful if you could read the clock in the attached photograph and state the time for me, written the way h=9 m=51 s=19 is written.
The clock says h=6 m=37 s=58
